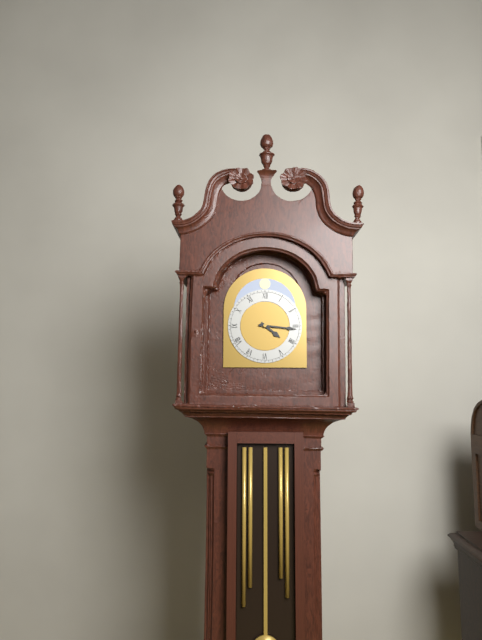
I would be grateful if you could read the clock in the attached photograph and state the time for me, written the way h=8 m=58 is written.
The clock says h=4 m=16
